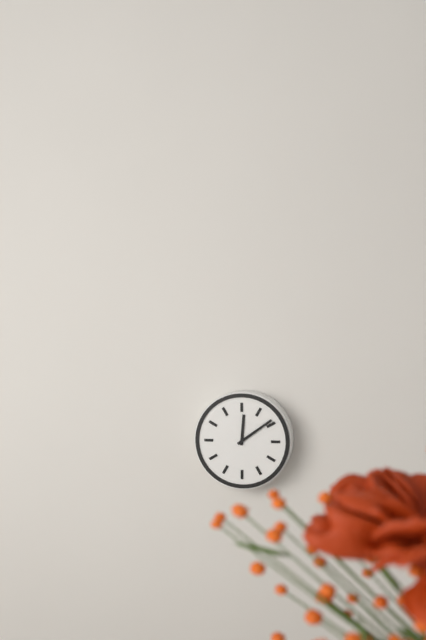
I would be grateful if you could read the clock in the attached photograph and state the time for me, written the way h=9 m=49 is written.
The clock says h=12 m=9
